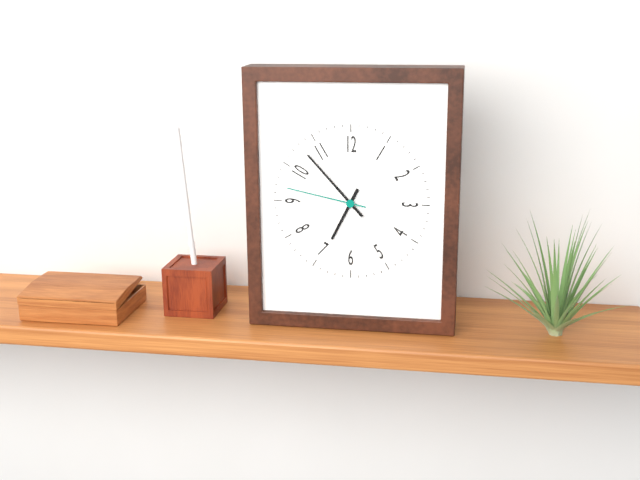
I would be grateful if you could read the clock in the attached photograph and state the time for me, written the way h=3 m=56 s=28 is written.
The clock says h=6 m=53 s=47
